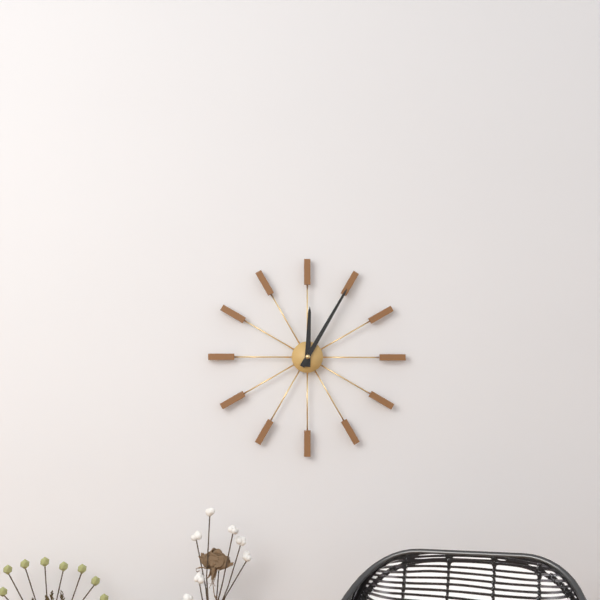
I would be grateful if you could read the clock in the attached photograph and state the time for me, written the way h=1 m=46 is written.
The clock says h=12 m=5
